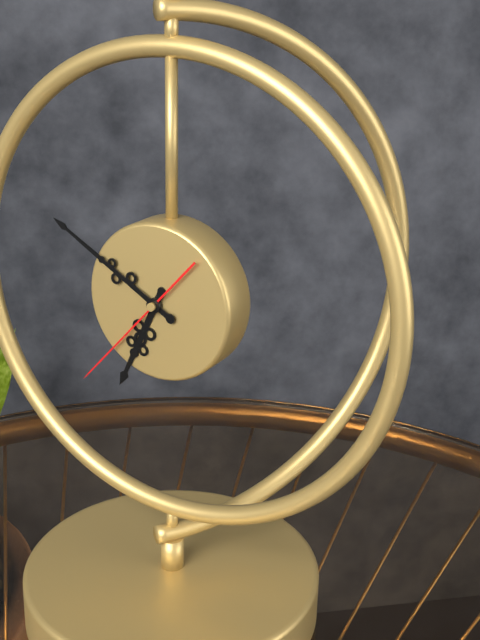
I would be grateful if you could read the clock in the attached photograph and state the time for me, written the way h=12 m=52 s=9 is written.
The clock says h=6 m=50 s=37
